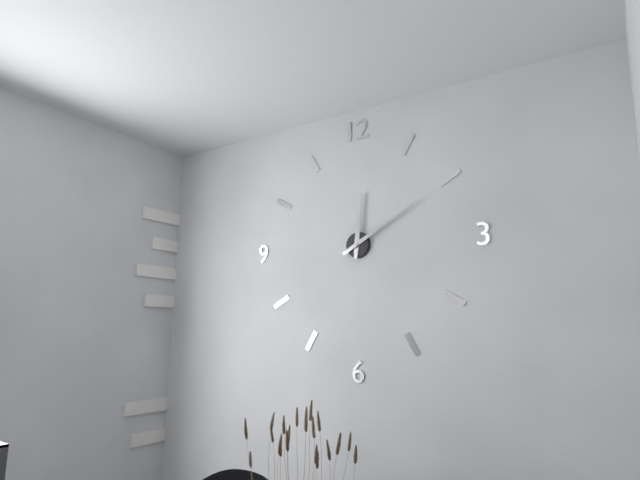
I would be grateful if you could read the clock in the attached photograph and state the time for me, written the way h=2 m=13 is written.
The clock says h=12 m=10
